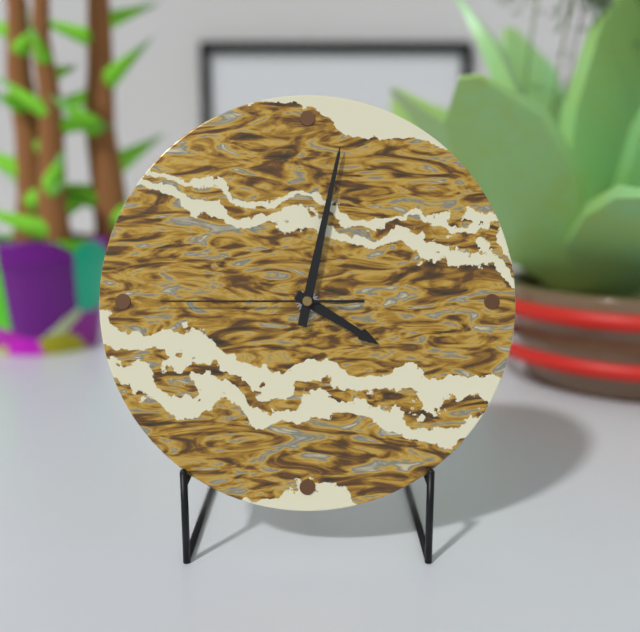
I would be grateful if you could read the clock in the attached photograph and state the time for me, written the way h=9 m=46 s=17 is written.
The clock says h=4 m=2 s=45
